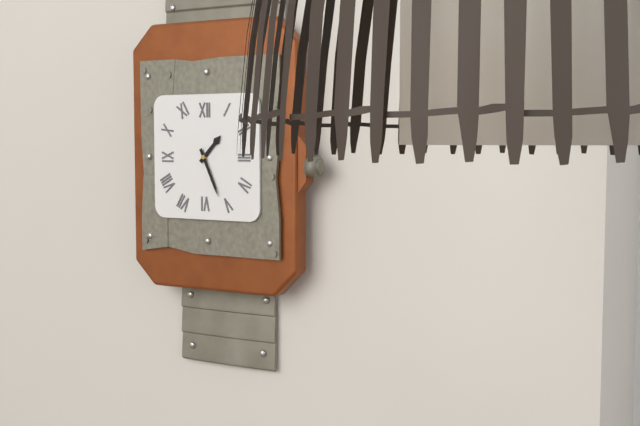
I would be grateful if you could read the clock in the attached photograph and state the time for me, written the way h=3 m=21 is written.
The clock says h=1 m=26
